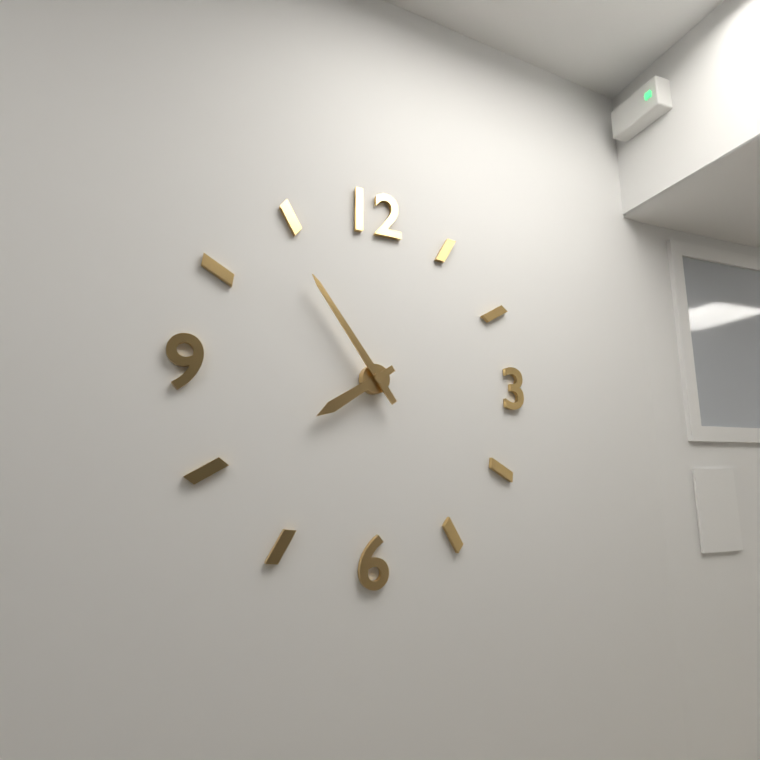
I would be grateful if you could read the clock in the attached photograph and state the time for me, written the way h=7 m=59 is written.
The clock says h=7 m=54
